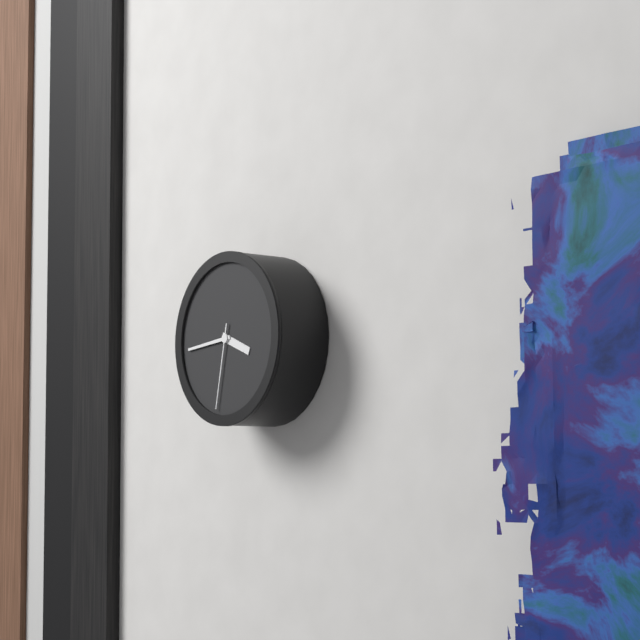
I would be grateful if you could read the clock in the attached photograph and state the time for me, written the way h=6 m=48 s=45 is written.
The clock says h=3 m=44 s=32
